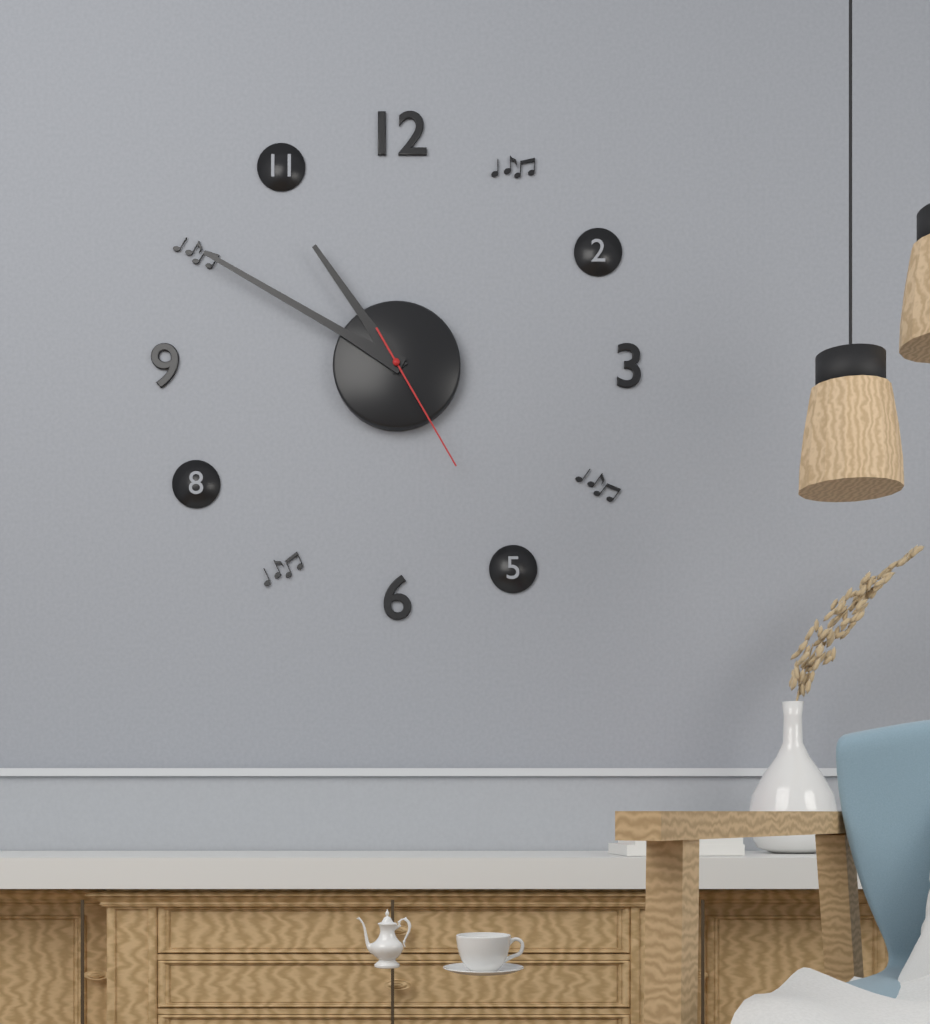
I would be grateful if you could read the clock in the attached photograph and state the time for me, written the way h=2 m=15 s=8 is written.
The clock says h=10 m=50 s=25
